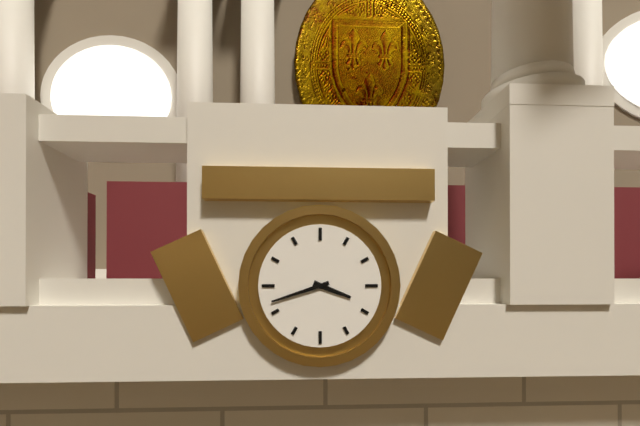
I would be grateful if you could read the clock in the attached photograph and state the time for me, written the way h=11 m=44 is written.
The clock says h=3 m=42
